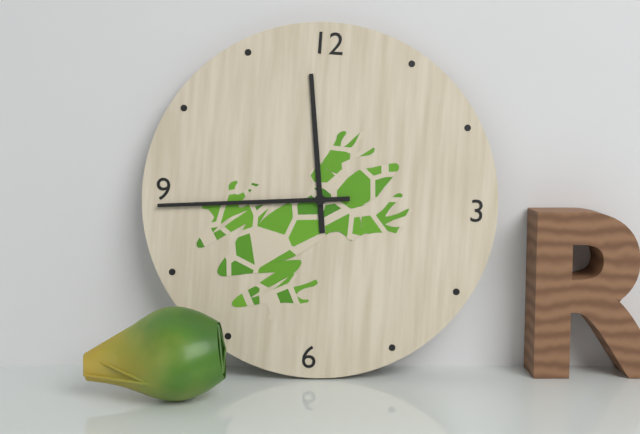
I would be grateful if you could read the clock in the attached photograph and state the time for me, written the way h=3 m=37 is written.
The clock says h=11 m=44
